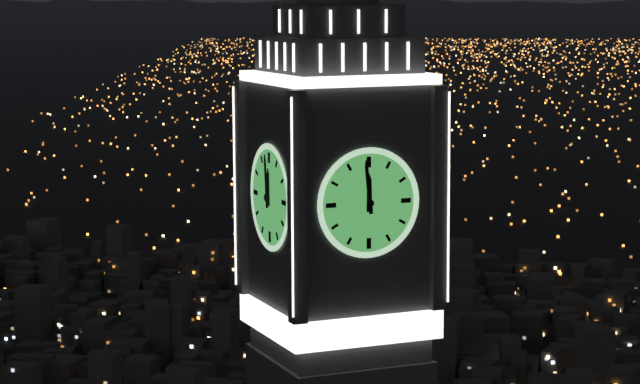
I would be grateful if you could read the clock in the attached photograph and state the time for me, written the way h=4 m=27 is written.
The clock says h=11 m=59
